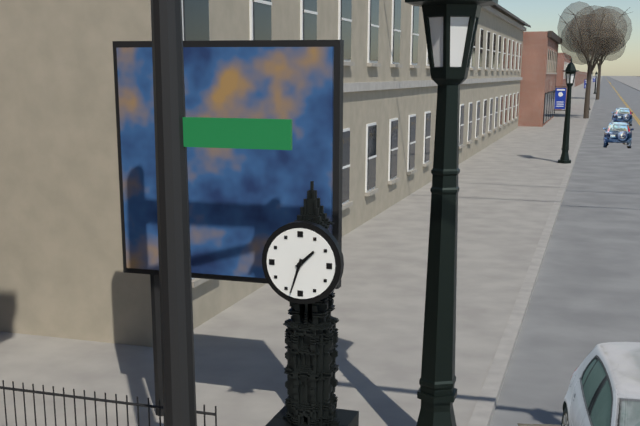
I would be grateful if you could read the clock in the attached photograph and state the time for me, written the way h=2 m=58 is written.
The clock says h=1 m=33
